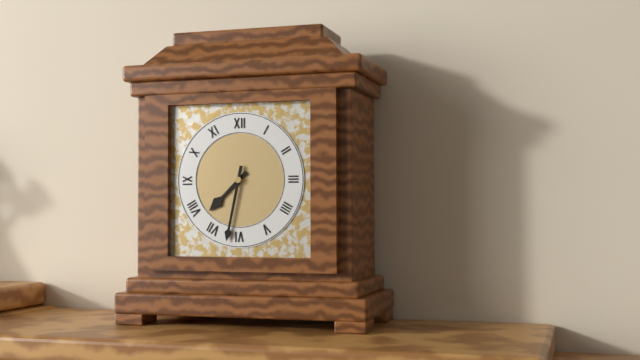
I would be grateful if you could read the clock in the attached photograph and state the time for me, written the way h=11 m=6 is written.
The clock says h=7 m=32
